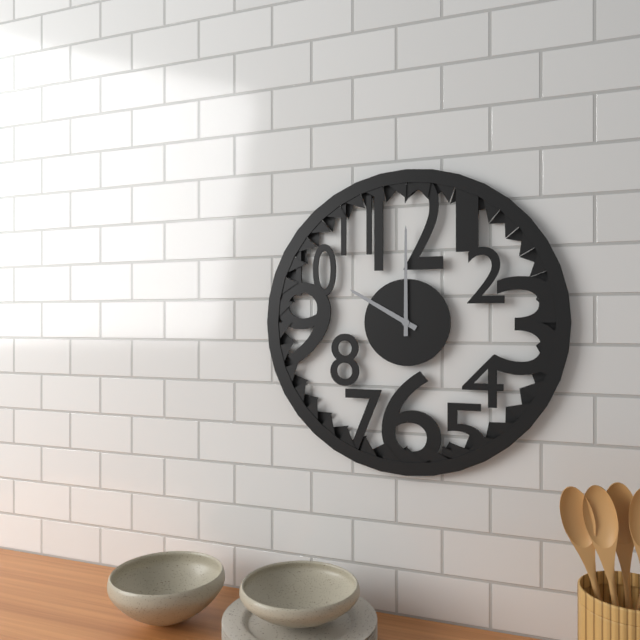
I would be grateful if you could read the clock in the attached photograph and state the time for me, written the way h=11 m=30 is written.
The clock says h=10 m=0
